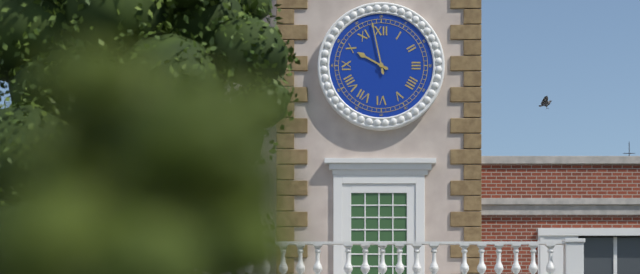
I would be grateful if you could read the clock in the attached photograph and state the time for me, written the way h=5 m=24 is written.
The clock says h=9 m=58
